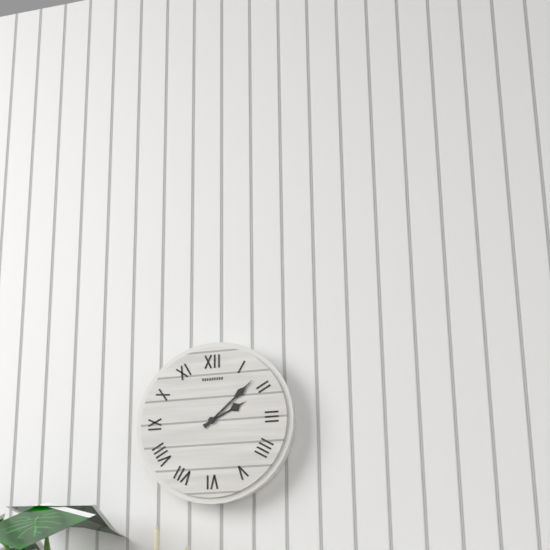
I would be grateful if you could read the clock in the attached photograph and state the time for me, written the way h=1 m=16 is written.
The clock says h=2 m=8
